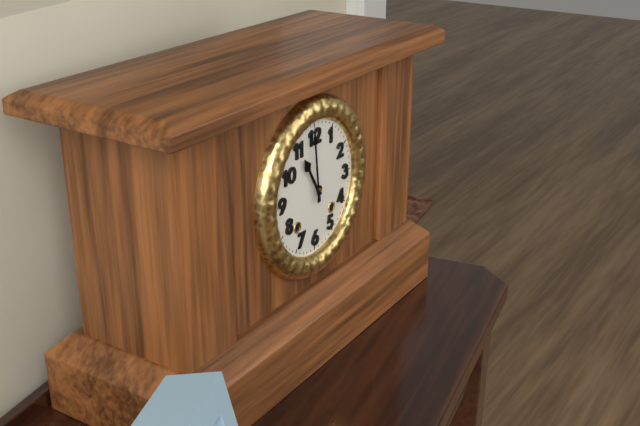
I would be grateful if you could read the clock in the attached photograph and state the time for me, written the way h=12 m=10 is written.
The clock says h=10 m=59
